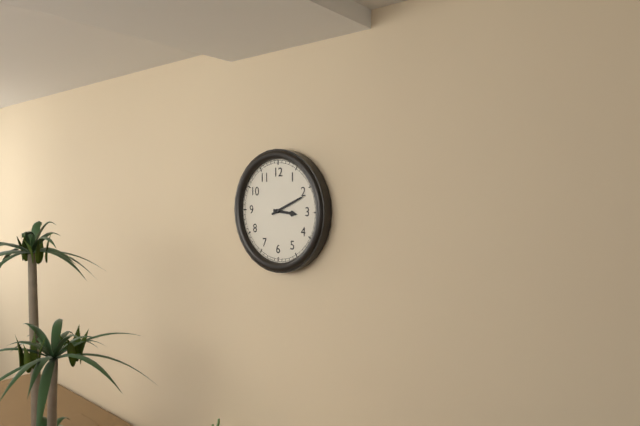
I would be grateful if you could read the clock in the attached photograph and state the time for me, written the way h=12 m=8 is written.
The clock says h=3 m=11
